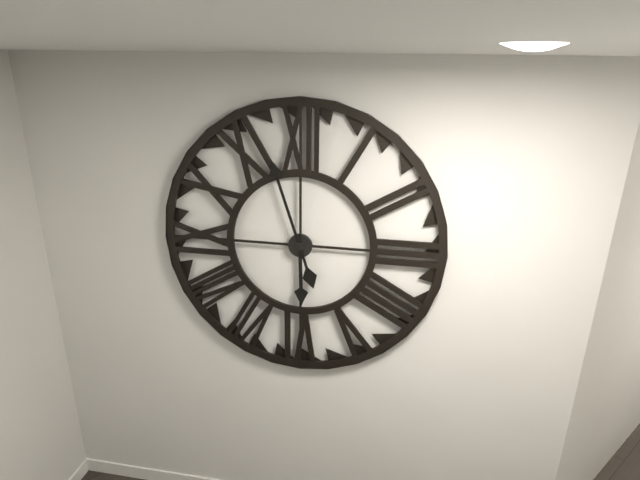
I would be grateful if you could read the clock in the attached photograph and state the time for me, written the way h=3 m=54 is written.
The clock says h=5 m=57
